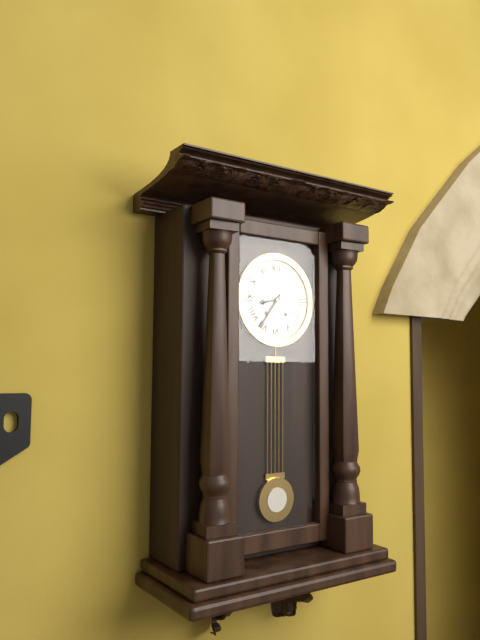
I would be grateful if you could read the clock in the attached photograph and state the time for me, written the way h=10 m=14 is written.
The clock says h=8 m=36
